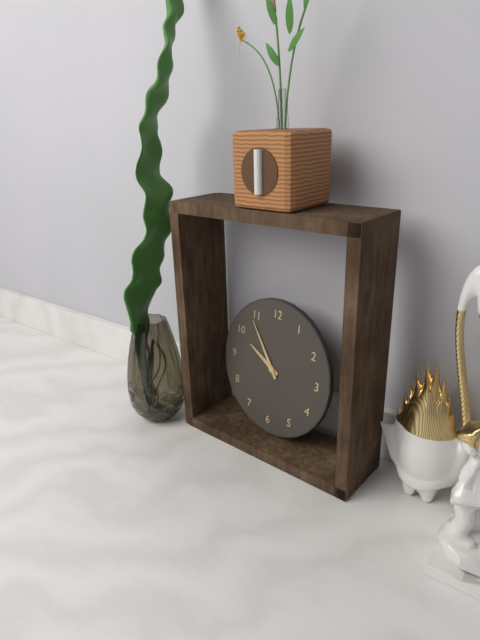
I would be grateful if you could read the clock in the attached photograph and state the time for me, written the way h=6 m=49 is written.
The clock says h=9 m=54
